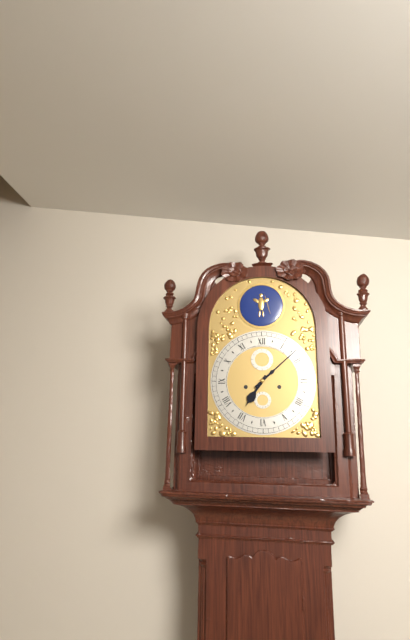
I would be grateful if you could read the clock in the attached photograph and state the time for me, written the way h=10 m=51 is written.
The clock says h=7 m=8
